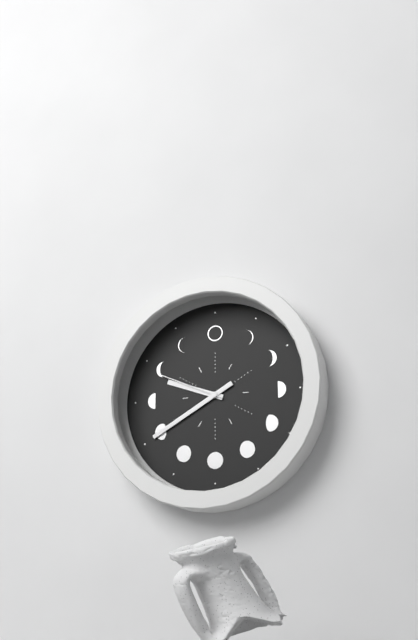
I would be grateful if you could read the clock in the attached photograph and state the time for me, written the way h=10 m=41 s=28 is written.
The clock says h=9 m=40 s=49
